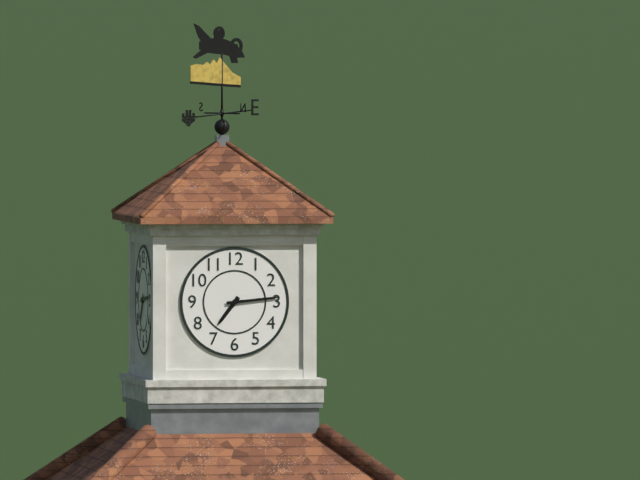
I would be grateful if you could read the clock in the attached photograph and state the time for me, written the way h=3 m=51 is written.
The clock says h=7 m=14
